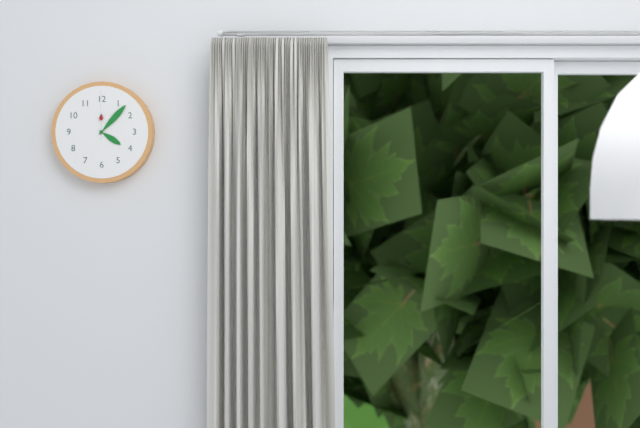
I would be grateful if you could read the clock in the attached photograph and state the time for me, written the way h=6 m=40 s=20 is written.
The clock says h=4 m=7 s=0
